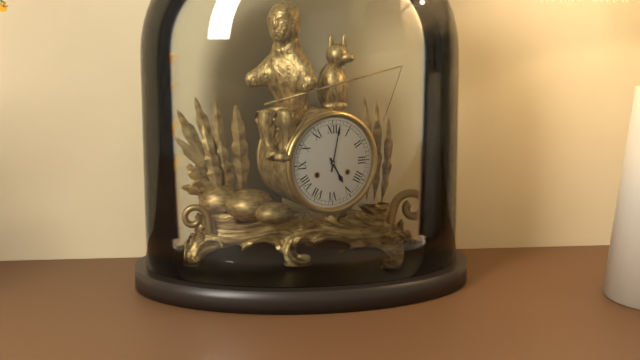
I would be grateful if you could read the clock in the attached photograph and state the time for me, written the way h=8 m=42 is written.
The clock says h=5 m=2
